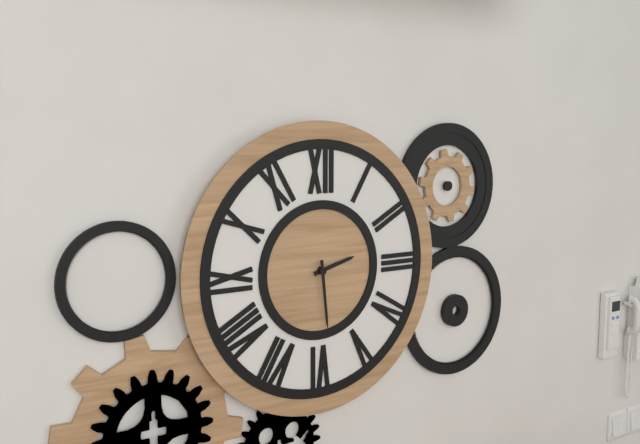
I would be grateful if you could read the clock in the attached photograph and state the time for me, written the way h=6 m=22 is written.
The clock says h=2 m=29
